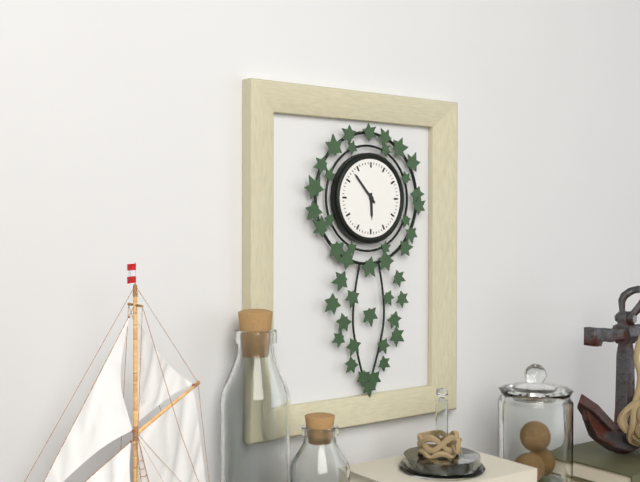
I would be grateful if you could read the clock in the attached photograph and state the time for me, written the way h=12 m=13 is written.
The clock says h=5 m=53
